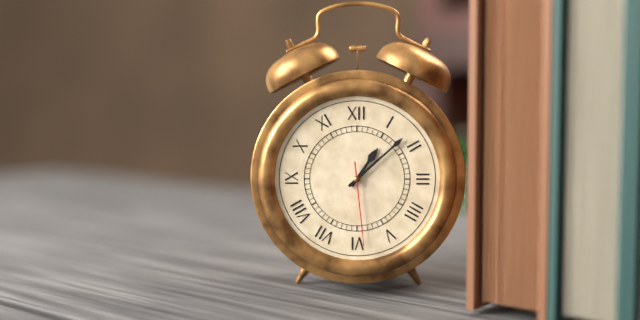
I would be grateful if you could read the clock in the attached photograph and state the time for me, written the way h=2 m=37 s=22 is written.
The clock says h=1 m=8 s=29
